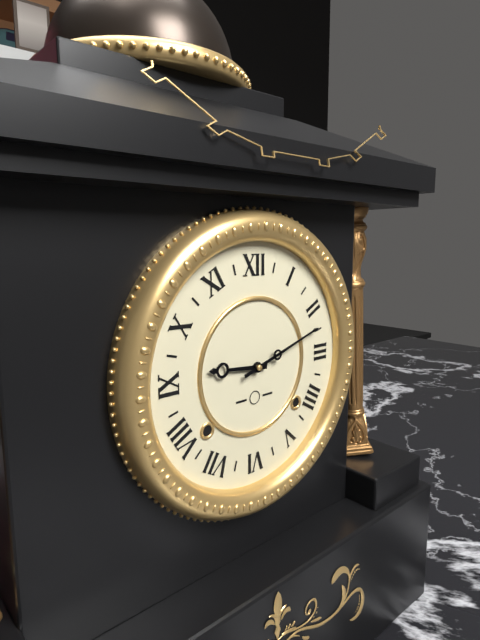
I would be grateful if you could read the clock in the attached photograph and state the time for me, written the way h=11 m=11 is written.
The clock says h=9 m=12
